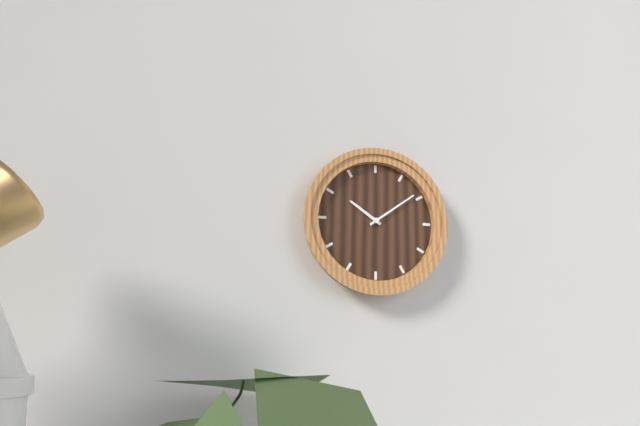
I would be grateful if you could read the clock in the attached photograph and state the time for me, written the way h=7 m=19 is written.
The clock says h=10 m=9
